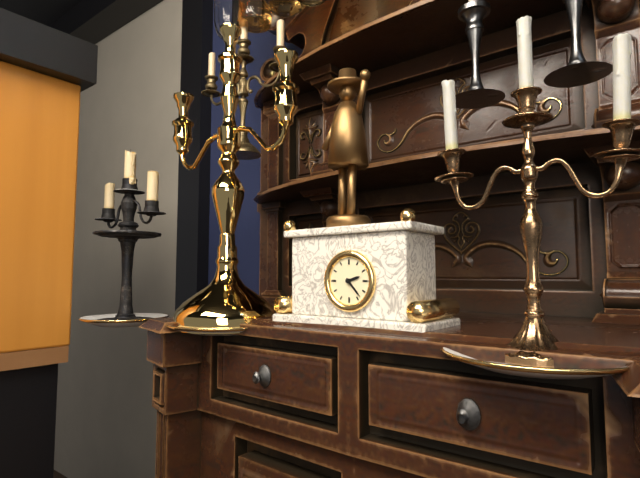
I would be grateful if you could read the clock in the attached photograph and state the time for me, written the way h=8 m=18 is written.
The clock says h=2 m=23
